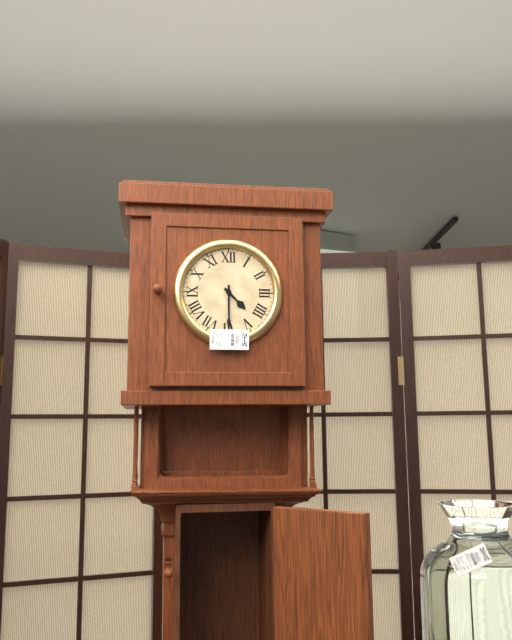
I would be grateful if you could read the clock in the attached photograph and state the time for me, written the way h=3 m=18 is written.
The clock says h=4 m=30
